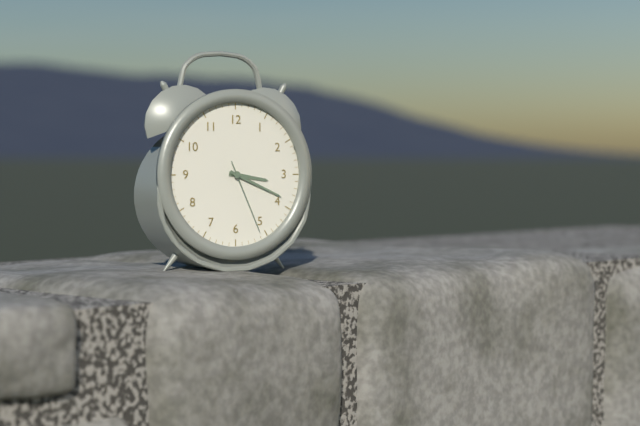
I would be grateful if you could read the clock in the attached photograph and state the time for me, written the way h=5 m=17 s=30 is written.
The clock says h=3 m=19 s=26
